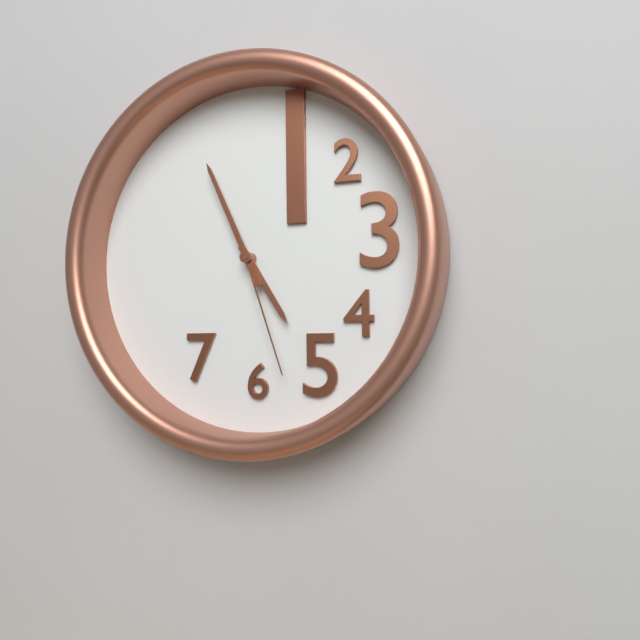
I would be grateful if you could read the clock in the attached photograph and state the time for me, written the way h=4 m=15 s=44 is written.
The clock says h=4 m=56 s=27
